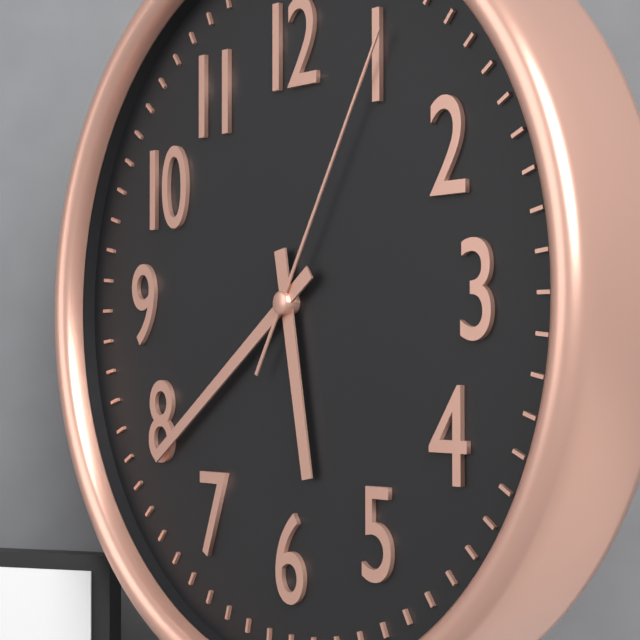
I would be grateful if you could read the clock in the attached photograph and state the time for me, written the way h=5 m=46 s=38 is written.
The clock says h=5 m=39 s=5
